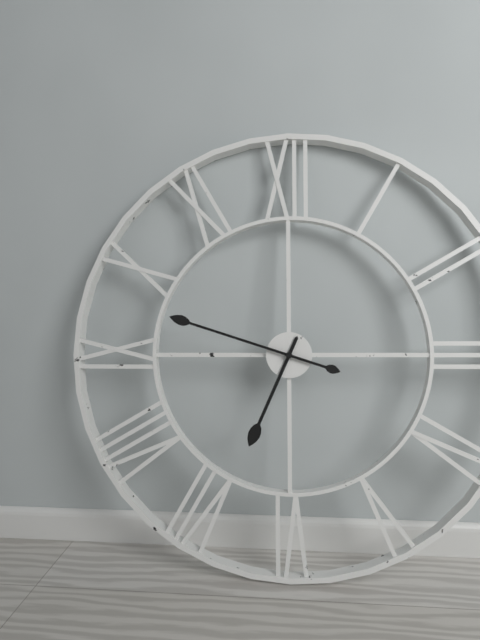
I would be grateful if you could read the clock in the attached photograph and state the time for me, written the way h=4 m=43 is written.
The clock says h=6 m=48
